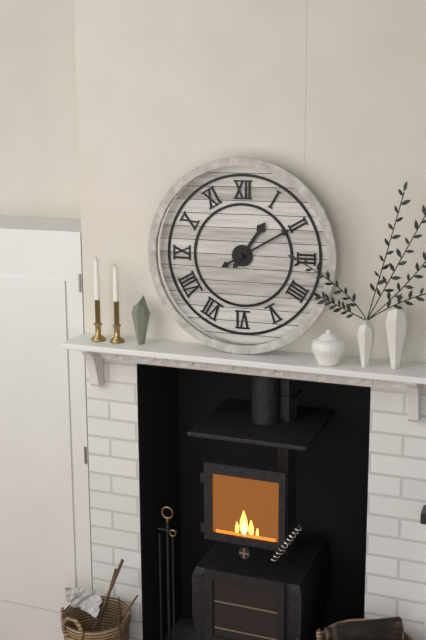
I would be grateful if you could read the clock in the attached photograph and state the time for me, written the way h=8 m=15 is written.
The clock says h=1 m=10
